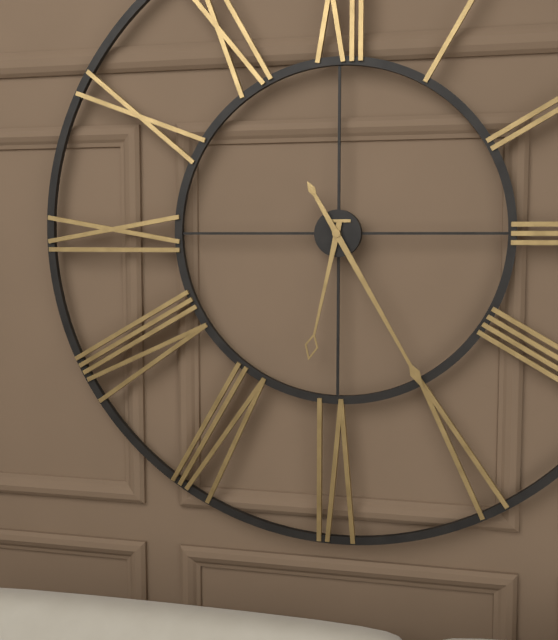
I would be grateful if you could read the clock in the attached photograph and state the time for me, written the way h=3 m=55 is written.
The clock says h=6 m=25
